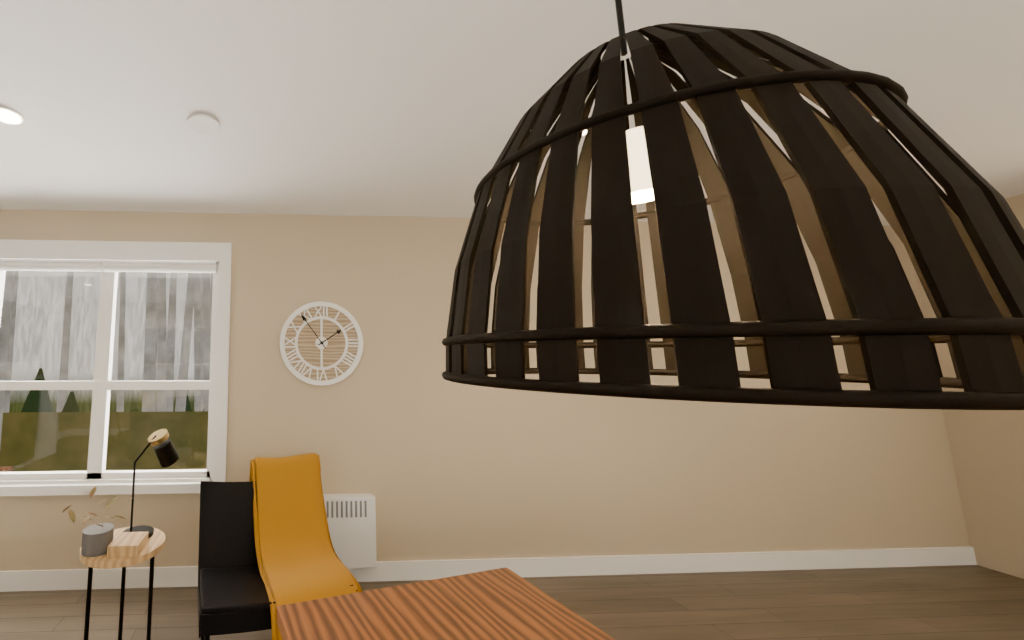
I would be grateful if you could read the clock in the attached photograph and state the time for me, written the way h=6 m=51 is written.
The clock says h=1 m=54
